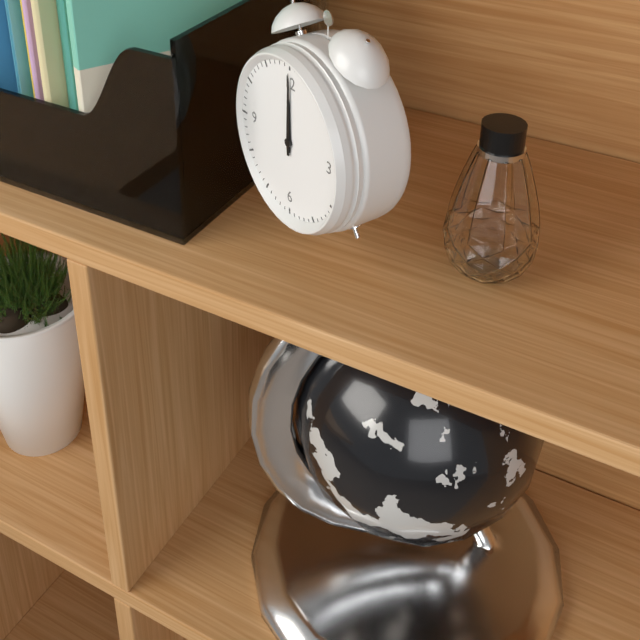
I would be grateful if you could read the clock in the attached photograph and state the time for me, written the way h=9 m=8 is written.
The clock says h=12 m=0
